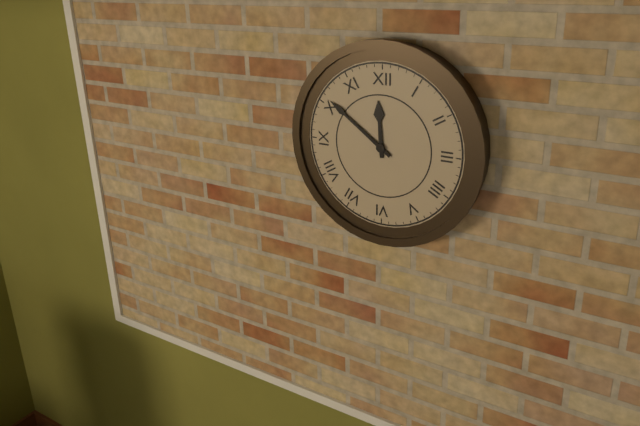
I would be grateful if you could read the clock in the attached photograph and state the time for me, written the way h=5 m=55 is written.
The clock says h=11 m=51
